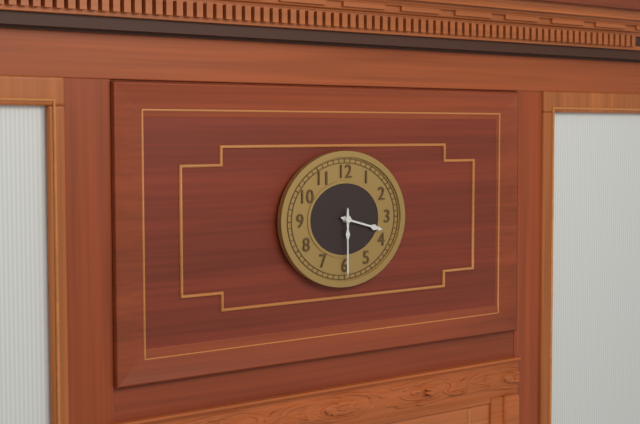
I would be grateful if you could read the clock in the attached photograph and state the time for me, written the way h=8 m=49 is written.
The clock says h=3 m=30
